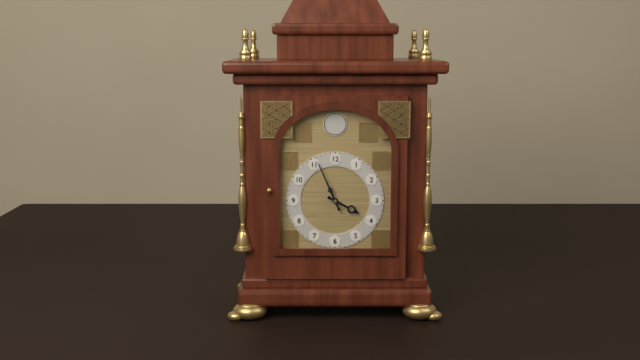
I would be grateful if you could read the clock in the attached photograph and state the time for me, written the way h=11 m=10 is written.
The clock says h=3 m=56
